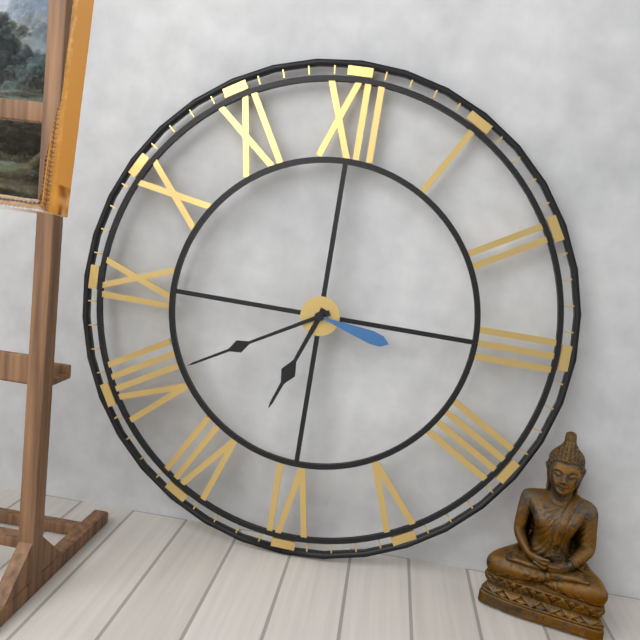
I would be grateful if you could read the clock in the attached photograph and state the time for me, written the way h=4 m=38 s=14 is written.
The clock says h=6 m=40 s=17
